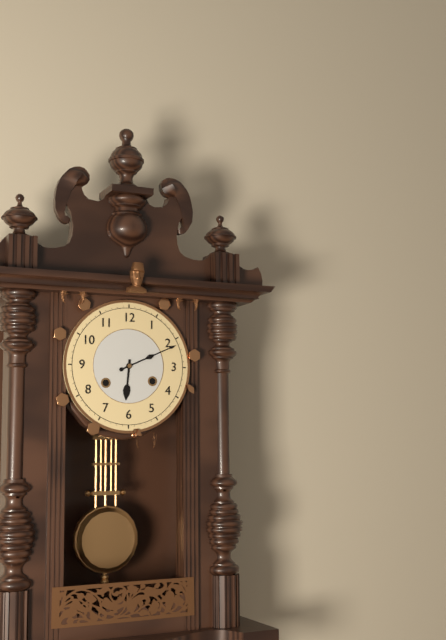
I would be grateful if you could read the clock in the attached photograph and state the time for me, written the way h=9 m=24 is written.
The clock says h=6 m=11
